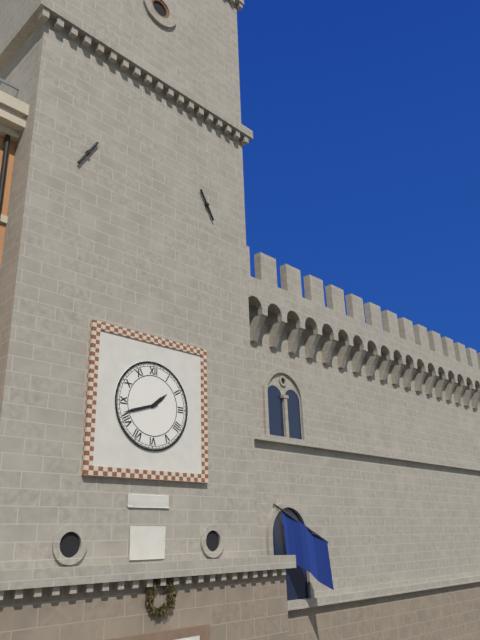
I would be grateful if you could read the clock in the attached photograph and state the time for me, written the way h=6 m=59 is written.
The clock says h=1 m=42
